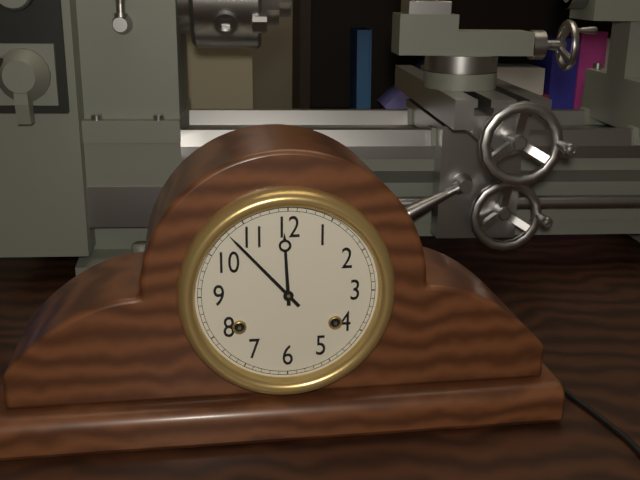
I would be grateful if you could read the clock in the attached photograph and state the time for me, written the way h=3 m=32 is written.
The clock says h=11 m=53
